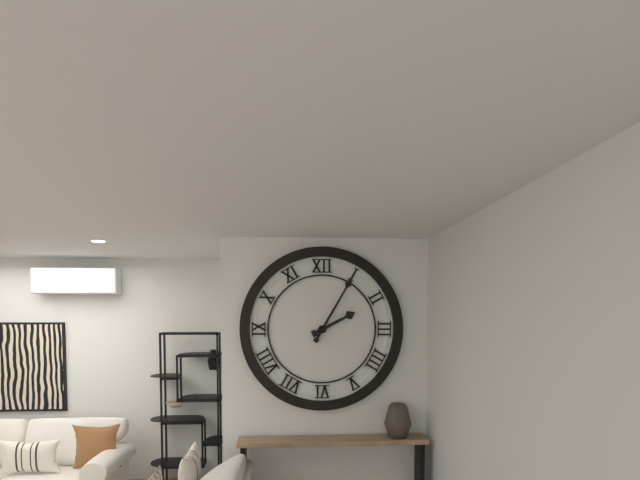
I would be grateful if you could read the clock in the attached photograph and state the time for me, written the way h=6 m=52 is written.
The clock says h=2 m=5
